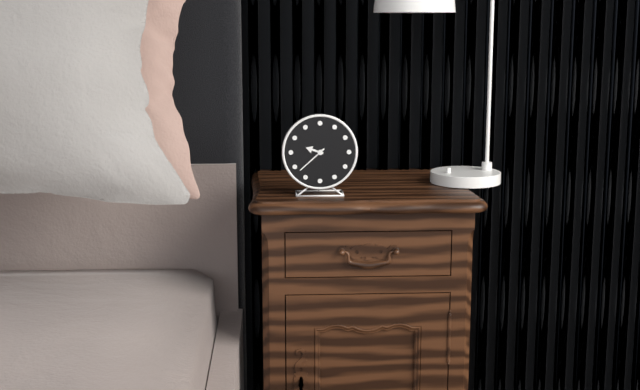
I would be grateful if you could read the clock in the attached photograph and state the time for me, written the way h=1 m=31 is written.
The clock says h=9 m=38
